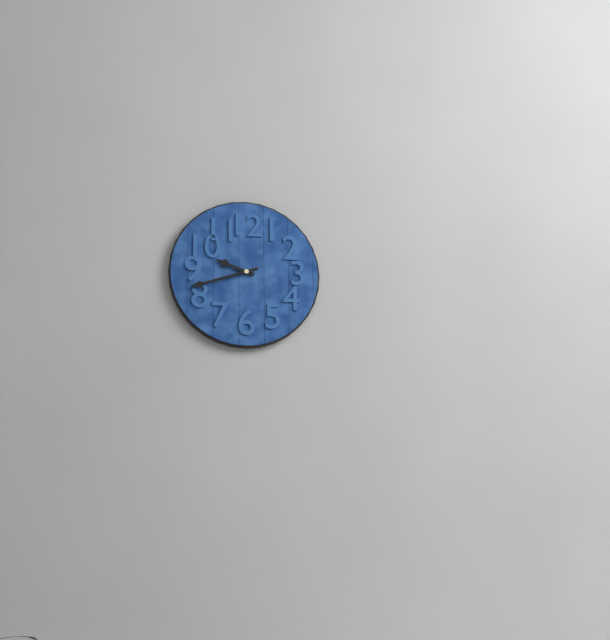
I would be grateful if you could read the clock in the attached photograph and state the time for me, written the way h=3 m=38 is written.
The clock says h=9 m=42
